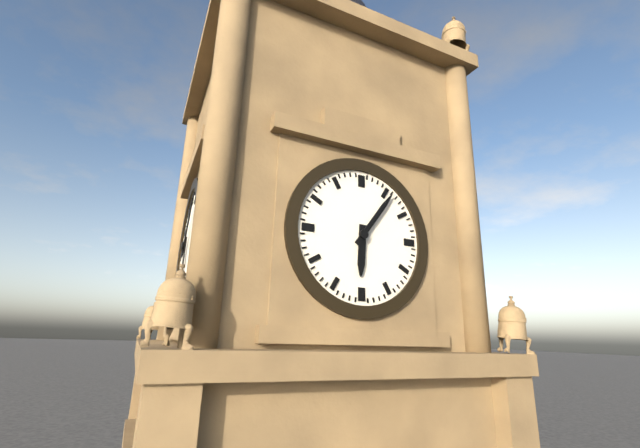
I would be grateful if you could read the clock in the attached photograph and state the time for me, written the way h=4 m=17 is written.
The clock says h=6 m=6
